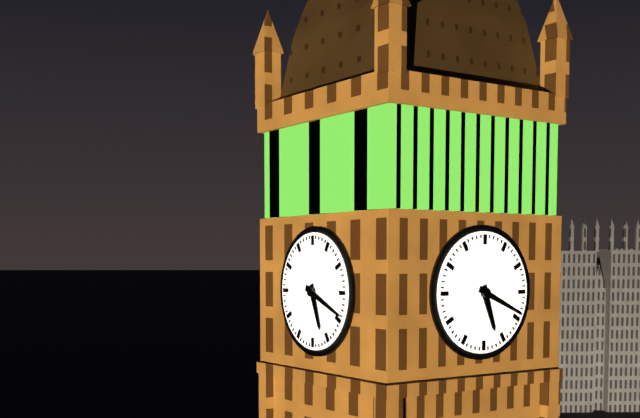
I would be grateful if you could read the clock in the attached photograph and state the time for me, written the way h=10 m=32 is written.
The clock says h=5 m=19
